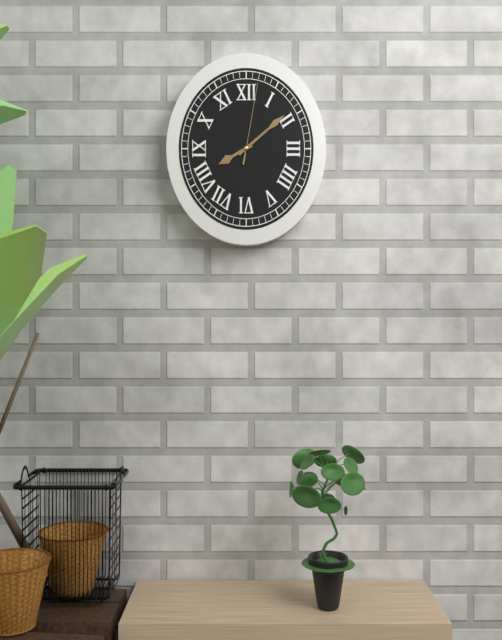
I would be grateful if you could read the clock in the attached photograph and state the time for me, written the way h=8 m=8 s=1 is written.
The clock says h=8 m=9 s=2
